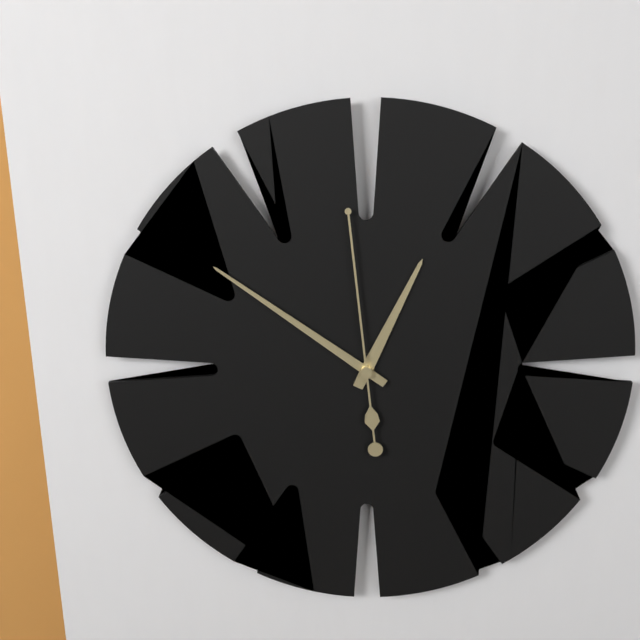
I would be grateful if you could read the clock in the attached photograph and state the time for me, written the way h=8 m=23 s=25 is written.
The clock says h=12 m=51 s=59
